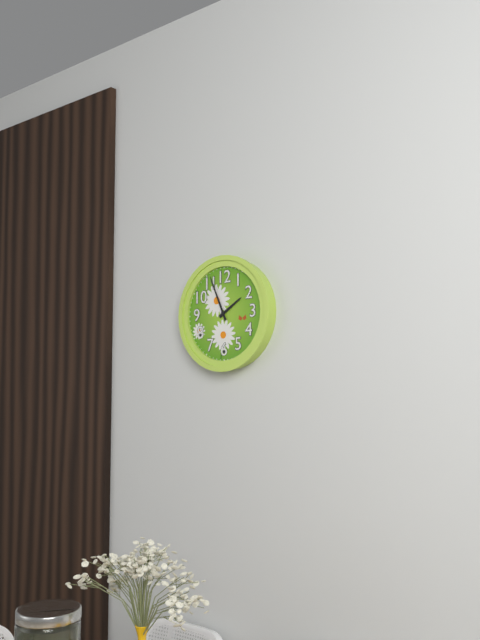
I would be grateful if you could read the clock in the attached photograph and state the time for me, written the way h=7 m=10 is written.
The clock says h=1 m=56
